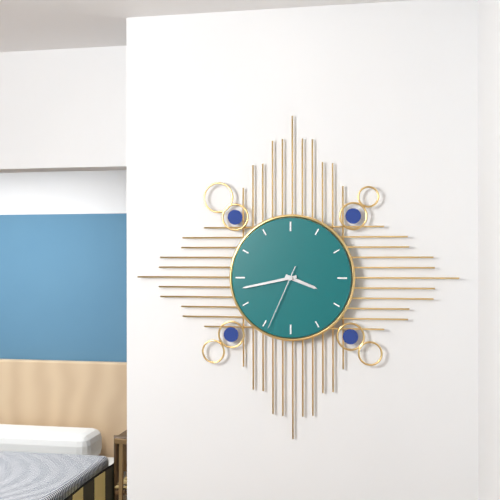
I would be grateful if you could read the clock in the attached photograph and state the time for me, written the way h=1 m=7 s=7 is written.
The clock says h=3 m=43 s=34
